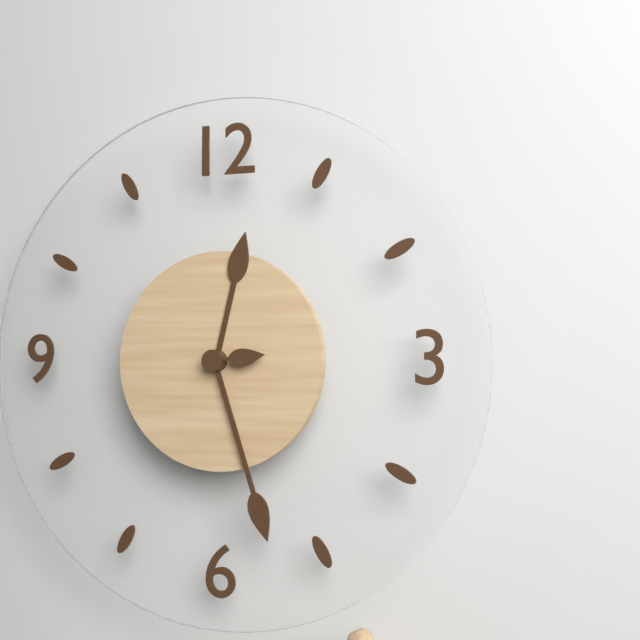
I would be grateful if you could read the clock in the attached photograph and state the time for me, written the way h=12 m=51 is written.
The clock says h=12 m=27
